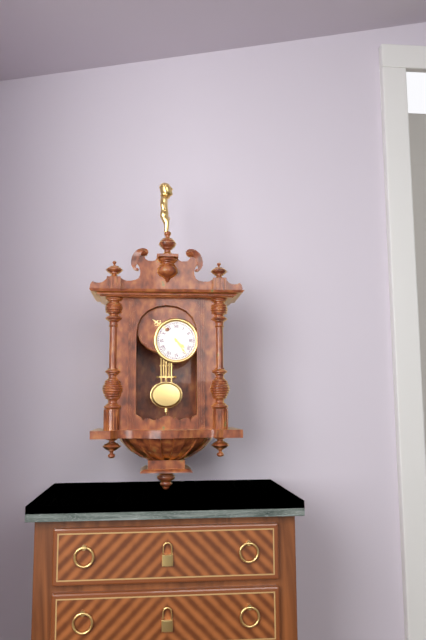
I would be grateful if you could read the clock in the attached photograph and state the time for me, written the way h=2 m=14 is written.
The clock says h=4 m=24
